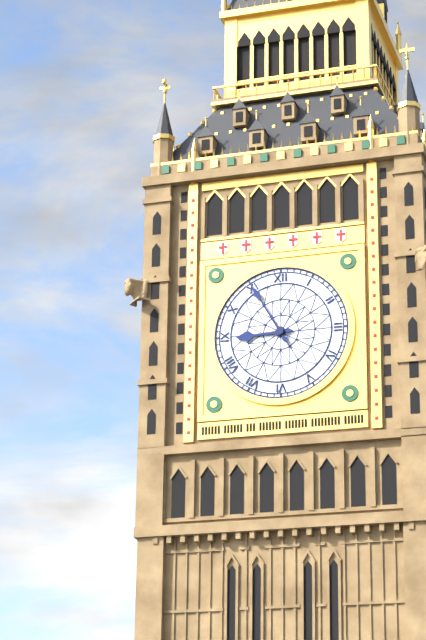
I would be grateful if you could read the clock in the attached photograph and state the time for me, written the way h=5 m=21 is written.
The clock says h=8 m=55
